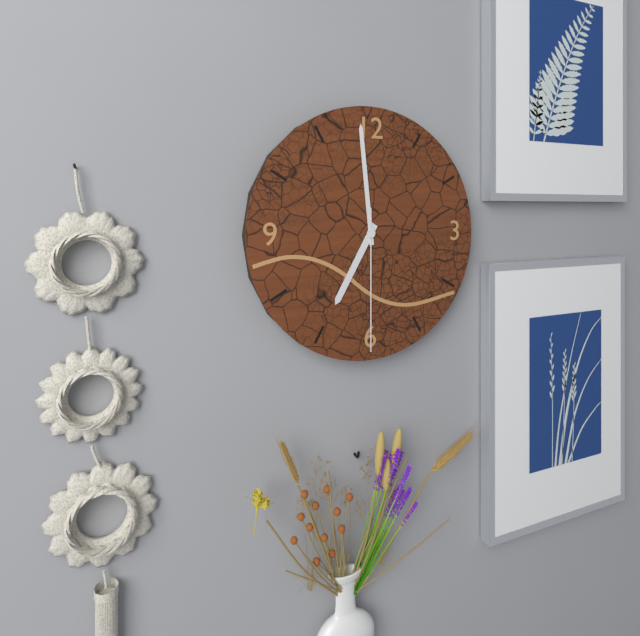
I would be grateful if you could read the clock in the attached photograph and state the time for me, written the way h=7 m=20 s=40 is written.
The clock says h=6 m=59 s=30
